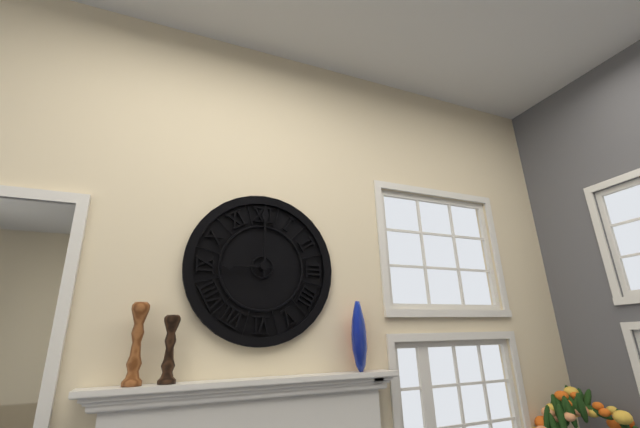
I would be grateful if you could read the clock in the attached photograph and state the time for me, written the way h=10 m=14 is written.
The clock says h=9 m=0
